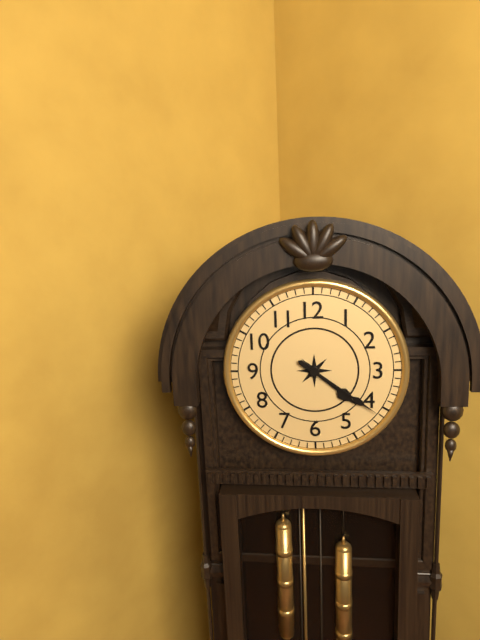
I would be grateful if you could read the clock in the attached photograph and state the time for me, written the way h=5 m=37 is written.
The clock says h=4 m=21
